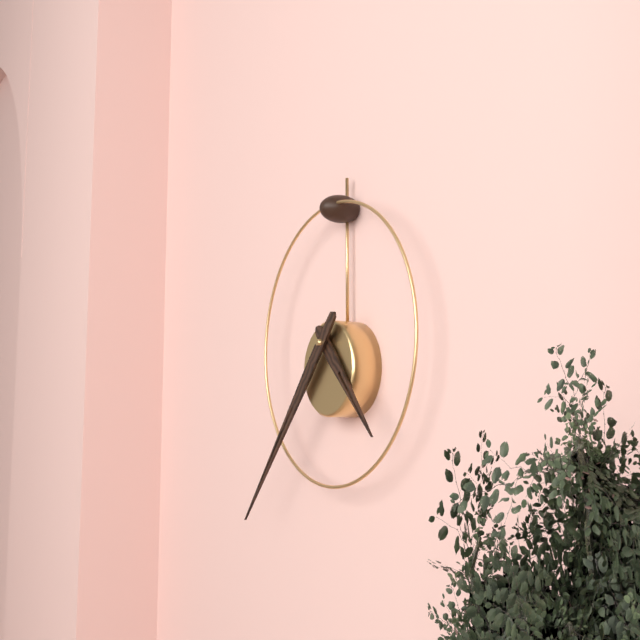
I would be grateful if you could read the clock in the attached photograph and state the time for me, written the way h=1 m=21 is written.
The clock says h=4 m=37
